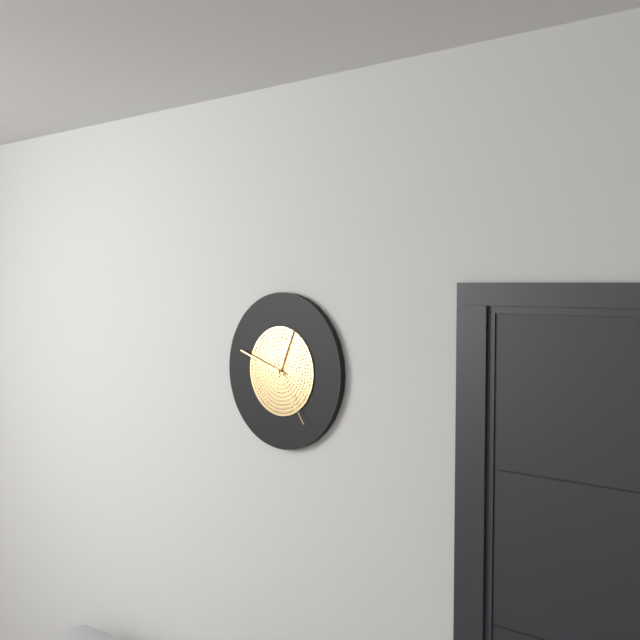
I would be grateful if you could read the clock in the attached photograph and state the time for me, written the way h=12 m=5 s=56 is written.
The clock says h=12 m=48 s=24
